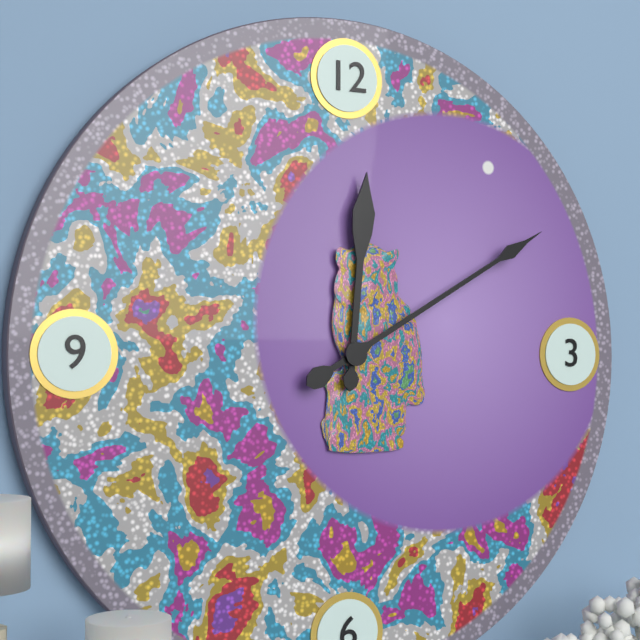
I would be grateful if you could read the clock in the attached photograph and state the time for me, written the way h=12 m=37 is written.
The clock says h=12 m=10
